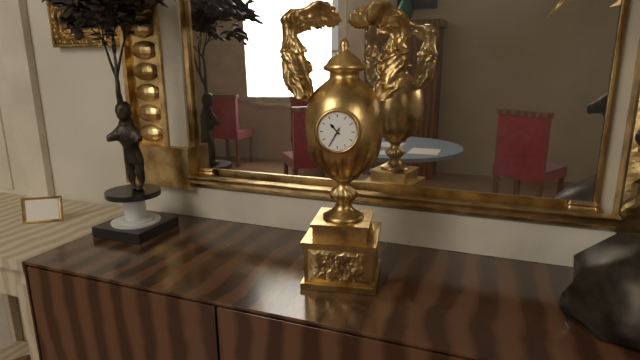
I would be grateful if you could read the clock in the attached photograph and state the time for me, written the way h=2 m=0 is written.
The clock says h=10 m=35
